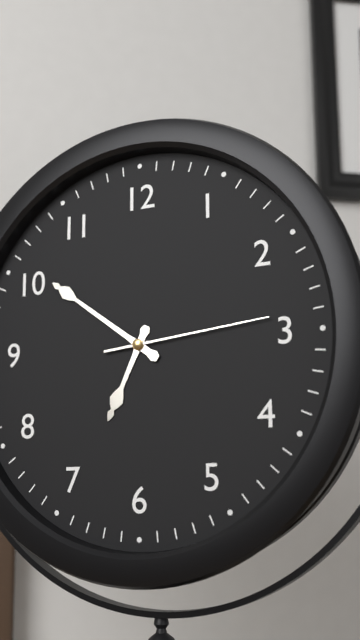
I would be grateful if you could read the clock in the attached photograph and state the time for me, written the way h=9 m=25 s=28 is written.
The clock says h=6 m=51 s=14
